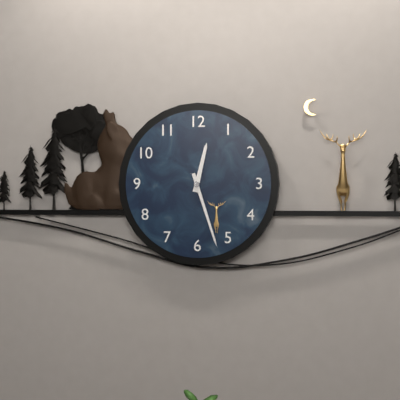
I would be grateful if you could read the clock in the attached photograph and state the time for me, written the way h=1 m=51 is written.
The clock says h=12 m=27
